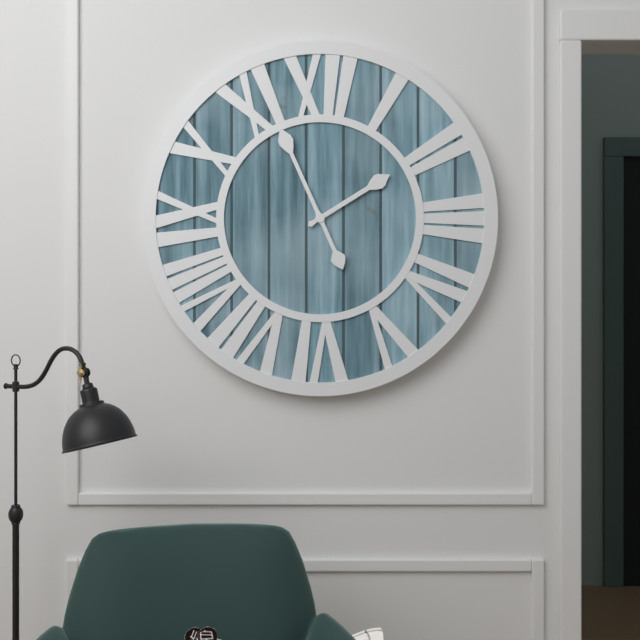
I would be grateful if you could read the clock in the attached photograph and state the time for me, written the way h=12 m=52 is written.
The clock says h=1 m=56
